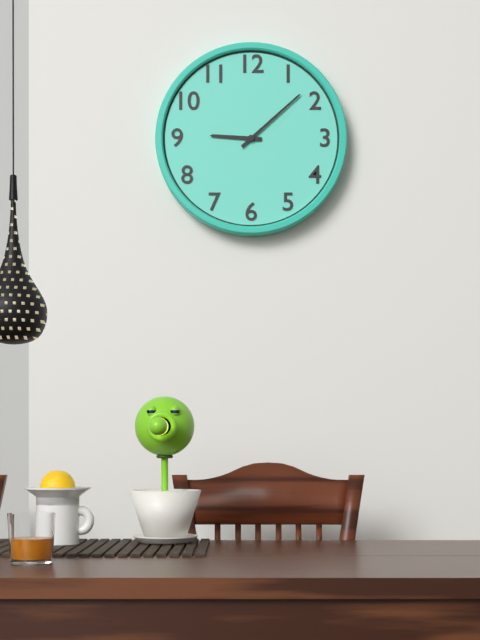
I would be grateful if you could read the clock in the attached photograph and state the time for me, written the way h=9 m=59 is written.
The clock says h=9 m=8
